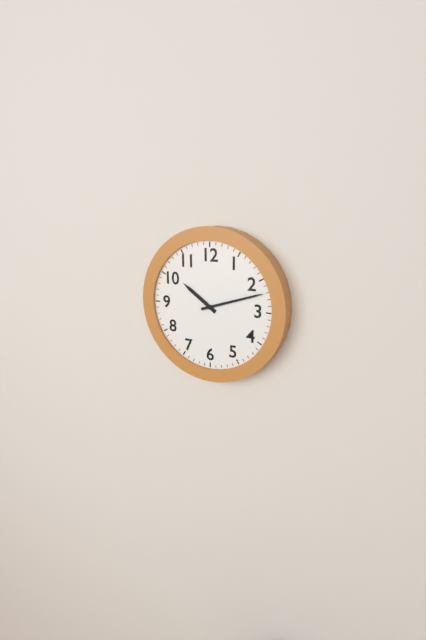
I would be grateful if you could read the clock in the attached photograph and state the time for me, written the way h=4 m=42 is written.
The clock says h=10 m=12
